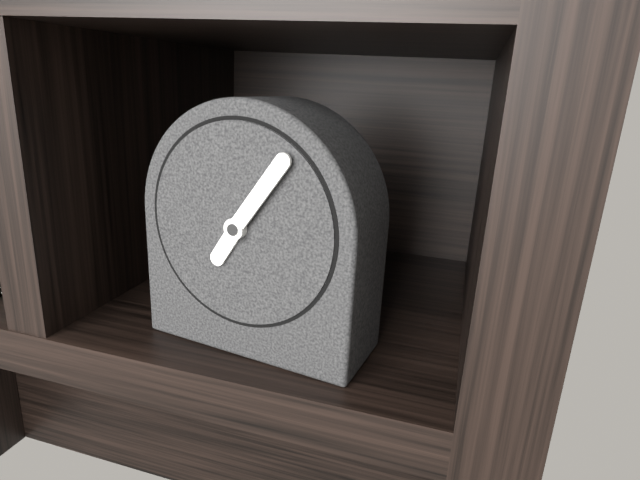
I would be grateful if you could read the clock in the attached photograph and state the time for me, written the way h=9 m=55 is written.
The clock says h=7 m=6
